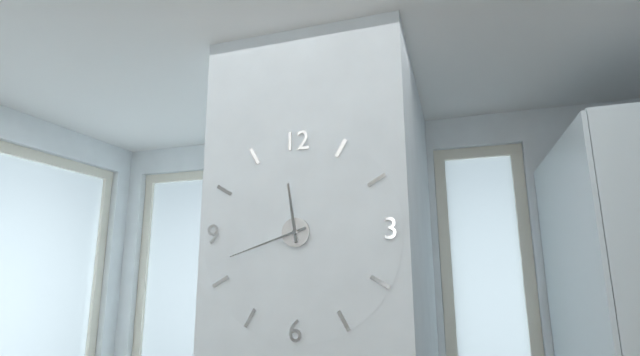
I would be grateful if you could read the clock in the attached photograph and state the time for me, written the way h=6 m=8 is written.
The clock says h=11 m=42
